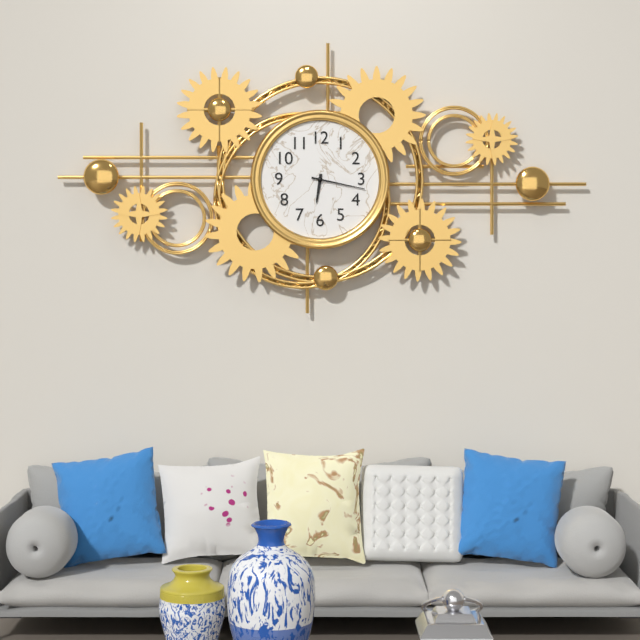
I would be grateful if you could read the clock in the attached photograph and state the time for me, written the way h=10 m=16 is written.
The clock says h=6 m=17
